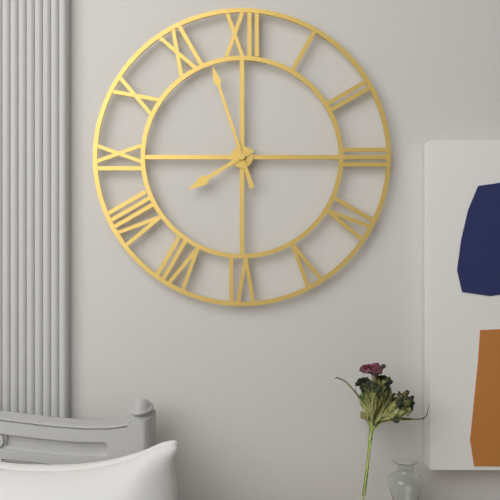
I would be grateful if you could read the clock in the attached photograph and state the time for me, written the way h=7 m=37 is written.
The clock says h=7 m=57
